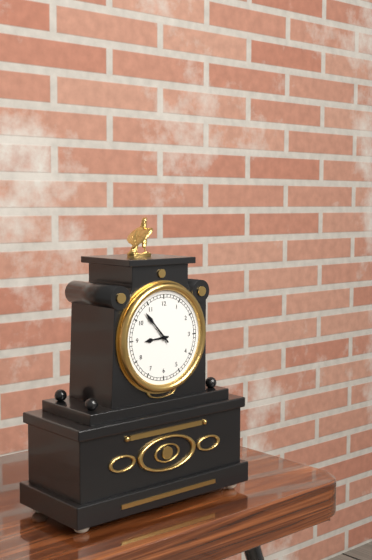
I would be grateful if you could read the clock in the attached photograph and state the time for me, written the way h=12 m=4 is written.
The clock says h=8 m=53
